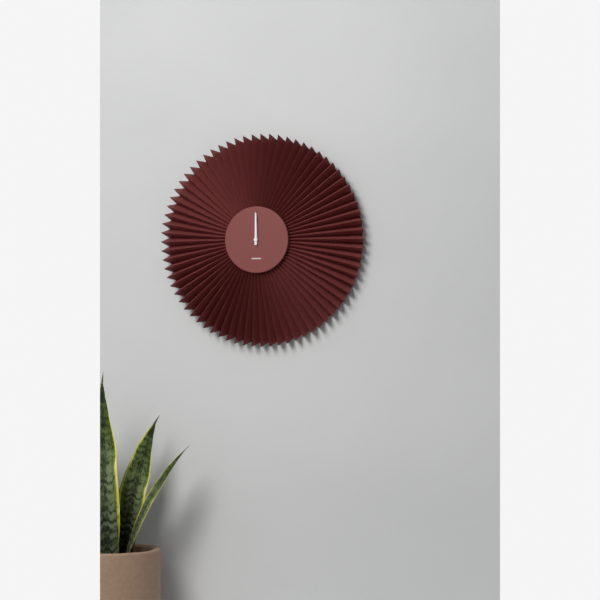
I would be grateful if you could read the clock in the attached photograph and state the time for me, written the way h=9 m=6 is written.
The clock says h=12 m=0
